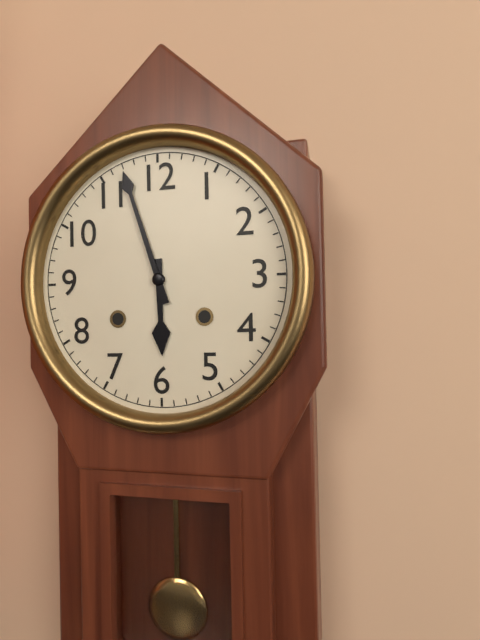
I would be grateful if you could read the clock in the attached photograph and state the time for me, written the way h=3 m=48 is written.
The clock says h=5 m=57
